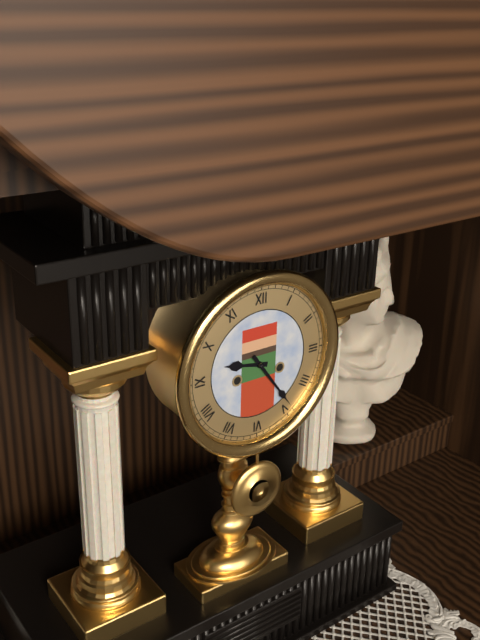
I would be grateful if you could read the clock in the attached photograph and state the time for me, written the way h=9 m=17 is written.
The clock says h=9 m=24
